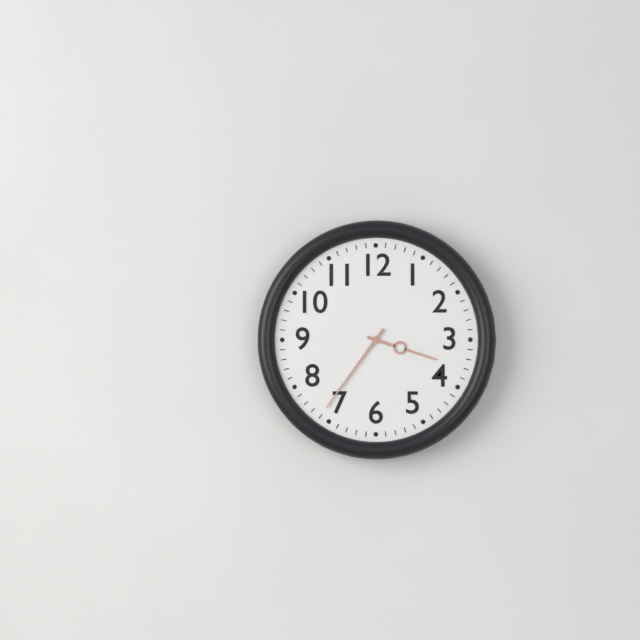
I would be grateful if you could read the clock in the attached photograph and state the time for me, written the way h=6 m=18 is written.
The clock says h=3 m=36
